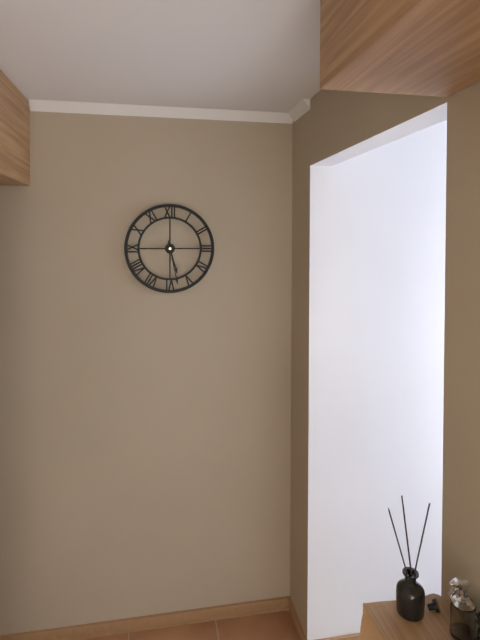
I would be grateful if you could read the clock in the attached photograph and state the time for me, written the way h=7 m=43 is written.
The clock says h=5 m=28
